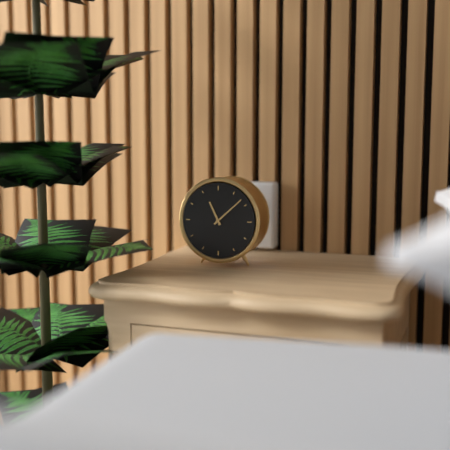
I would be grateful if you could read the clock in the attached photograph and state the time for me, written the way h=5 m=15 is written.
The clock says h=11 m=8
